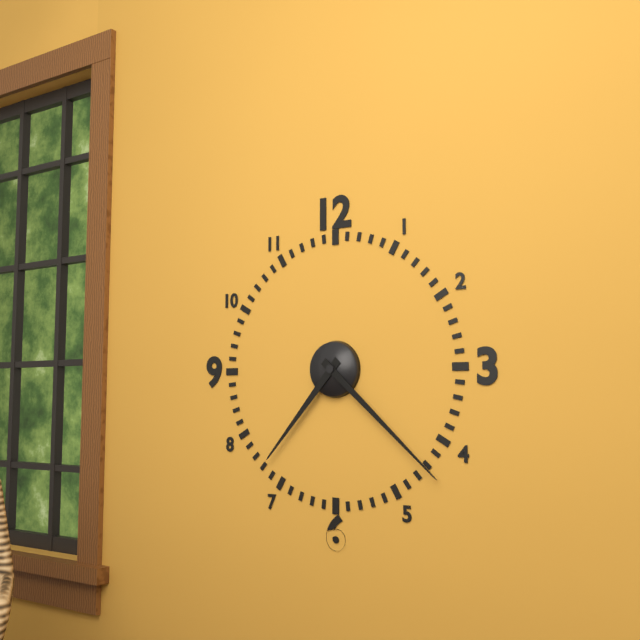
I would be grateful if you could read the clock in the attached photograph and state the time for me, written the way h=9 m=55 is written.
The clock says h=7 m=22
